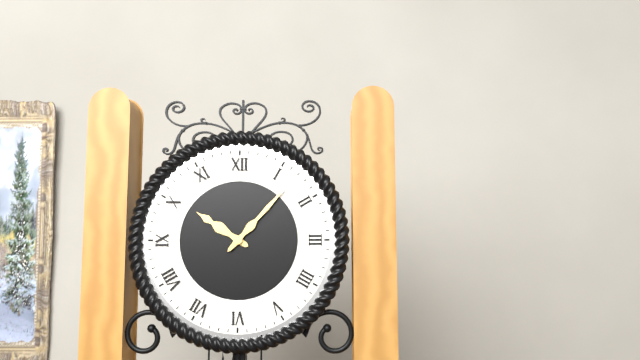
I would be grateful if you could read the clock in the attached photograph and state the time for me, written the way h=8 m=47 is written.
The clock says h=10 m=7
